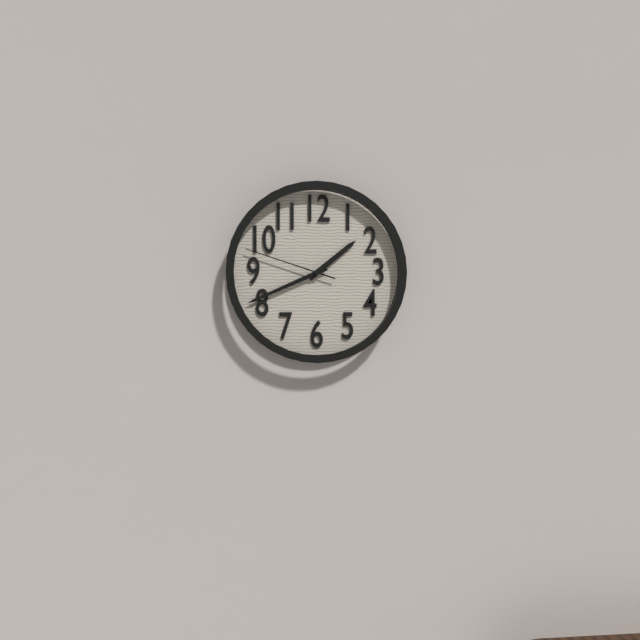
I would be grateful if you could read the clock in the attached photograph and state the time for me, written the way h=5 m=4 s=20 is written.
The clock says h=1 m=41 s=48
